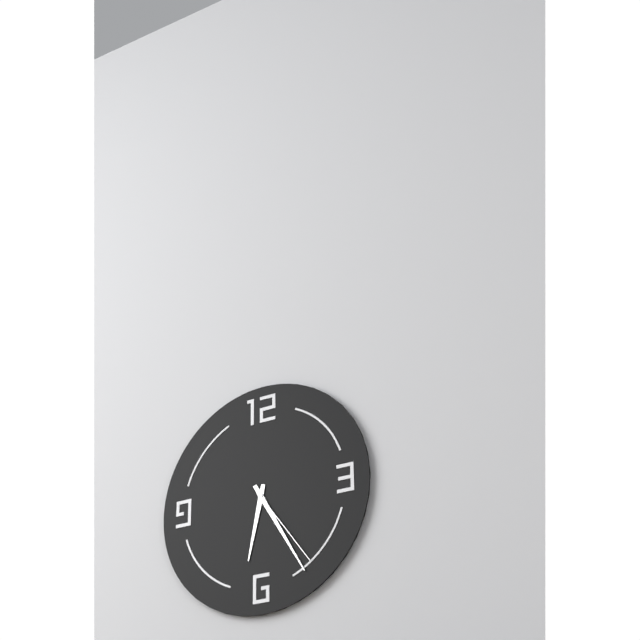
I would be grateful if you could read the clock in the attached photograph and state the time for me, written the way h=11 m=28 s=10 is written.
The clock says h=6 m=25 s=24
